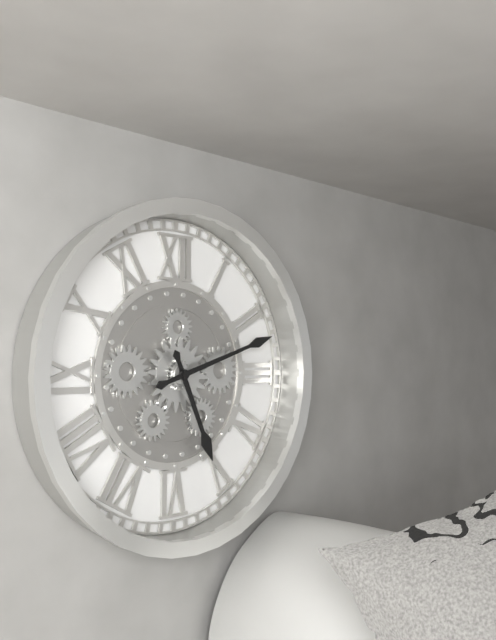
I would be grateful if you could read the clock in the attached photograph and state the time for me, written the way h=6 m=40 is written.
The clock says h=5 m=12
